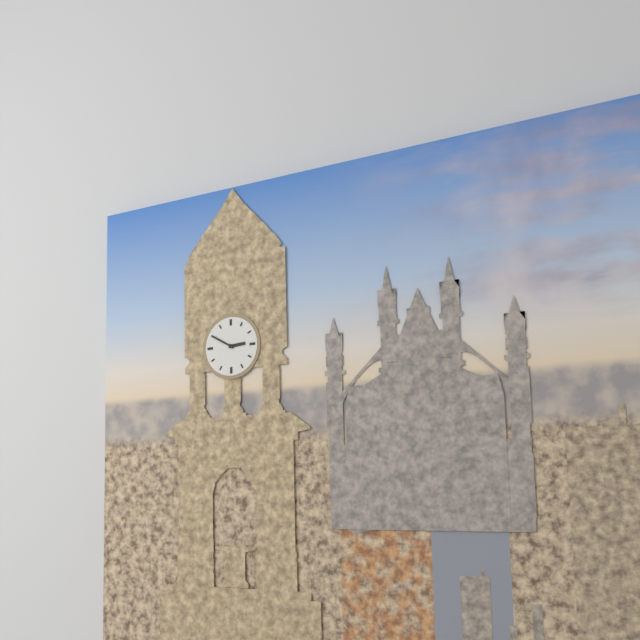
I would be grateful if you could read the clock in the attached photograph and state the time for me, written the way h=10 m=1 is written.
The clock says h=2 m=50
